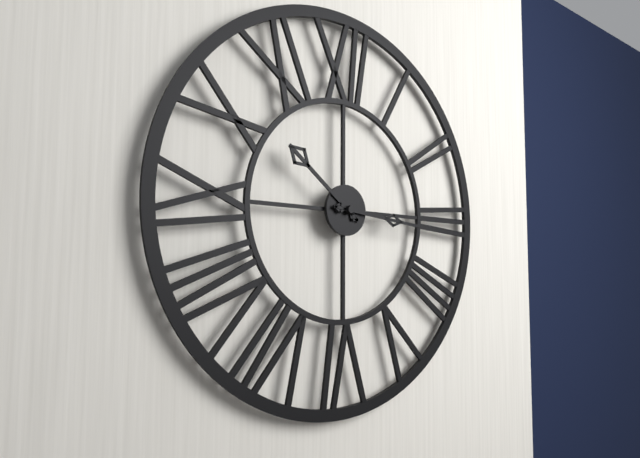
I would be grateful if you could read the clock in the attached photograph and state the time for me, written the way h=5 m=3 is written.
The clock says h=10 m=16
